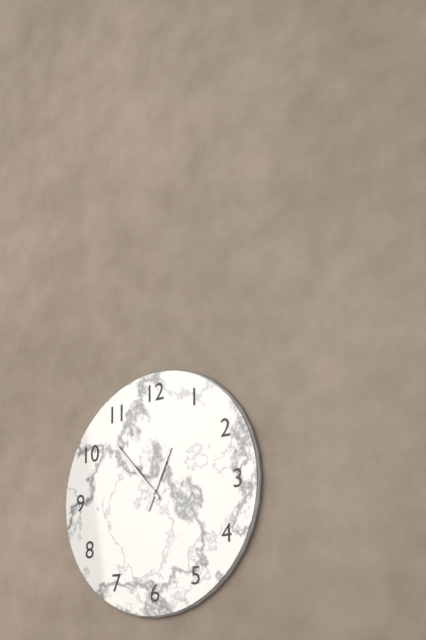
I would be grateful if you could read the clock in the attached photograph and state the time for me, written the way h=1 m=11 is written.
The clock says h=12 m=53
